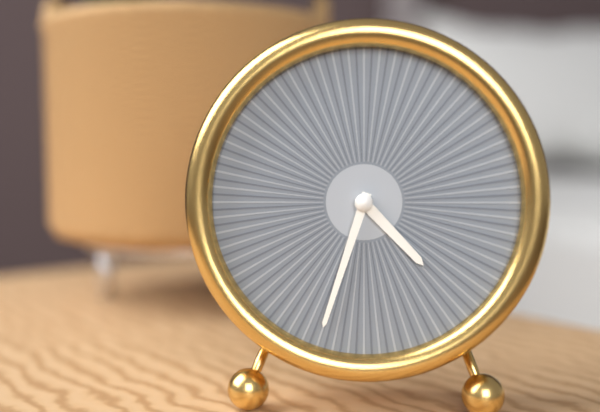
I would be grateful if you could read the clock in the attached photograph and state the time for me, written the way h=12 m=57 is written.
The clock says h=4 m=33
